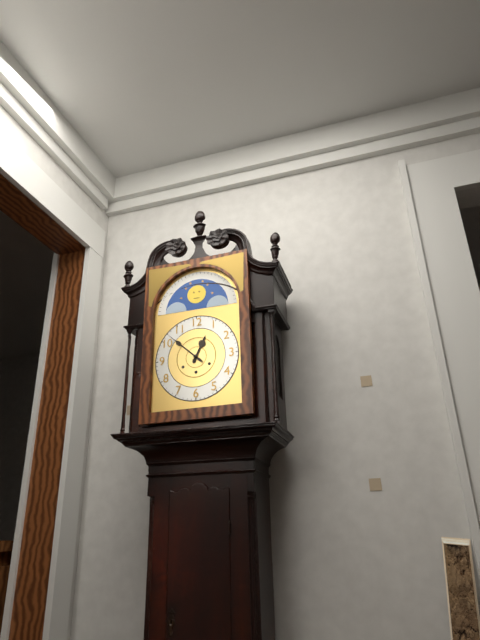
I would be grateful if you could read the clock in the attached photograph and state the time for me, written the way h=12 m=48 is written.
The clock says h=12 m=52
